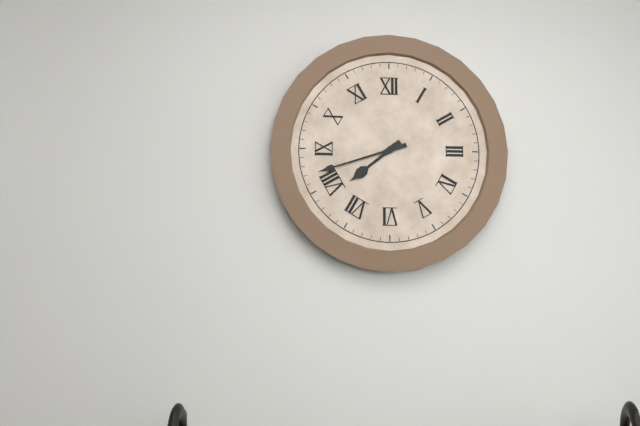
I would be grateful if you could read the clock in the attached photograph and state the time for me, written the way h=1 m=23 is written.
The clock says h=7 m=42
